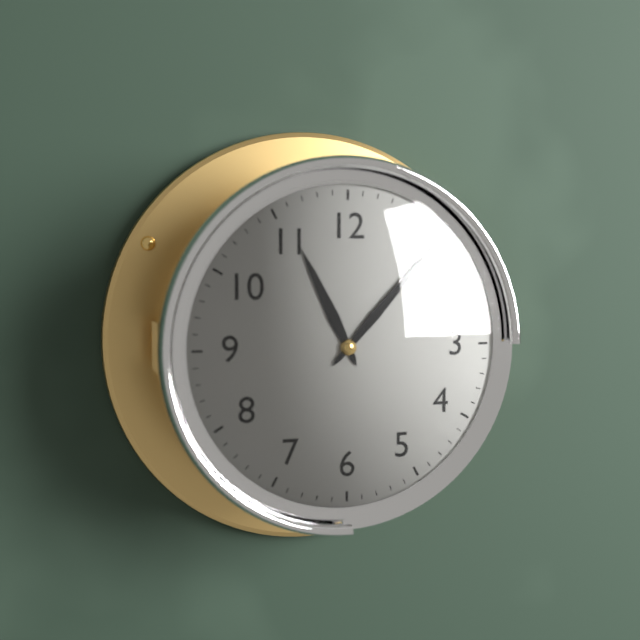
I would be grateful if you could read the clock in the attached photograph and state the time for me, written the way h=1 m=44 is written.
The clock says h=11 m=7
